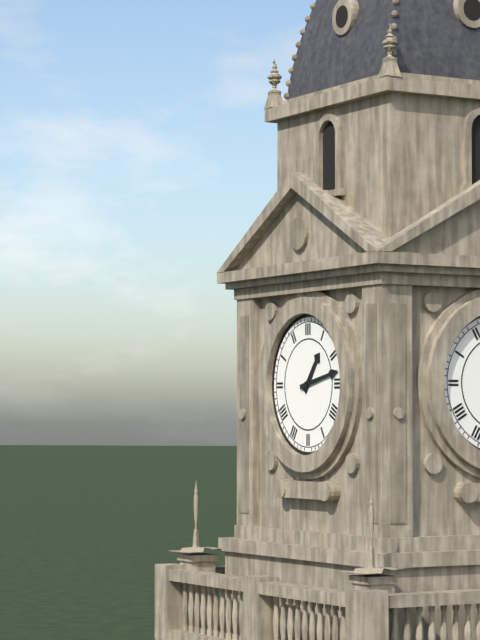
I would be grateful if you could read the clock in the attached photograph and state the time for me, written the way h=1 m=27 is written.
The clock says h=1 m=13
